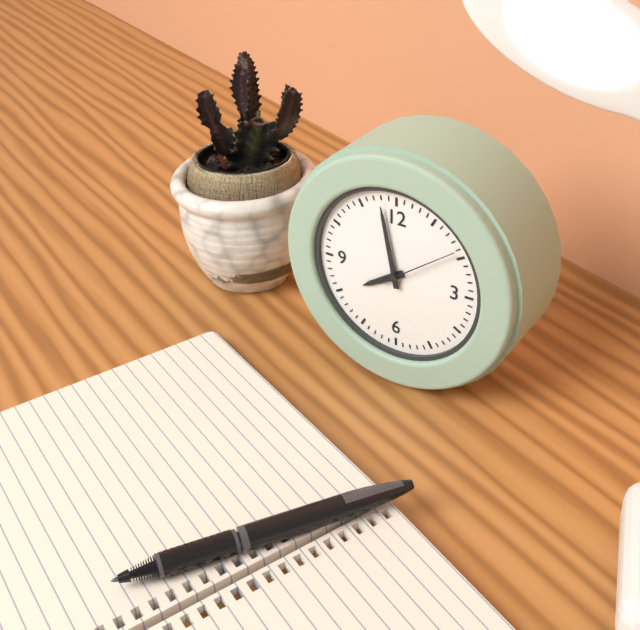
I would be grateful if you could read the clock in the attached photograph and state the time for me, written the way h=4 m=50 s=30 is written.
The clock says h=7 m=58 s=9
